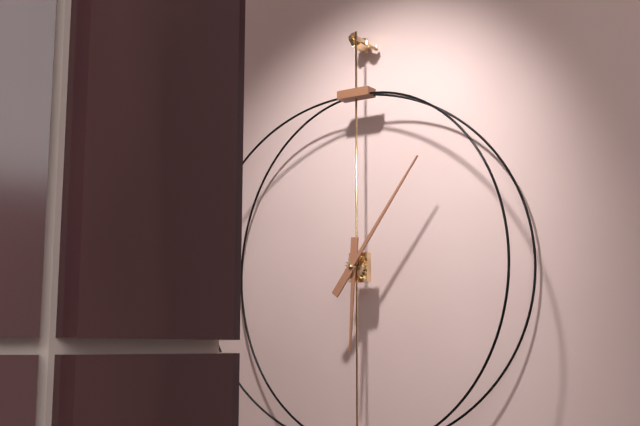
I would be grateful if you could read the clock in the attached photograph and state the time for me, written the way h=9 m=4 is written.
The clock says h=6 m=6
